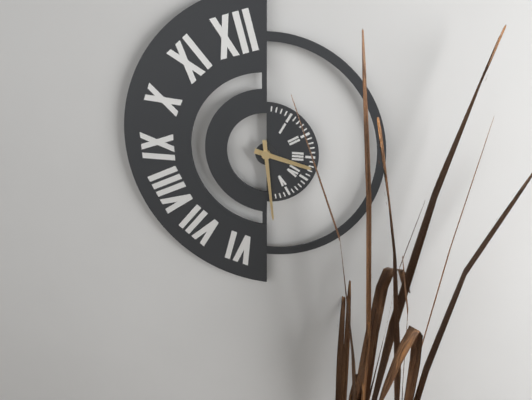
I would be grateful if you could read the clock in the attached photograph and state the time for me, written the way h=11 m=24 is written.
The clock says h=3 m=29
